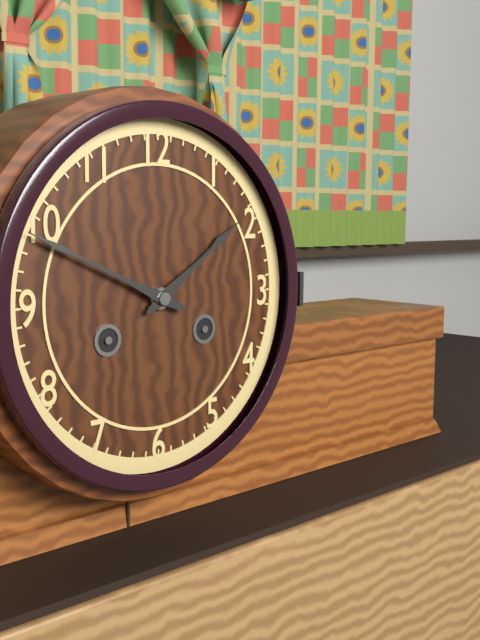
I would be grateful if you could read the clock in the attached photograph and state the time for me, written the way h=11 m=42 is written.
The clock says h=1 m=49
